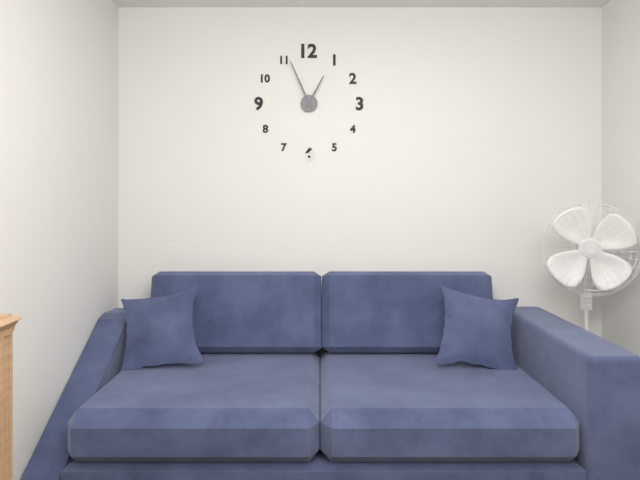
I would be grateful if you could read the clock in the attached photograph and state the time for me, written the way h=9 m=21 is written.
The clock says h=12 m=56
